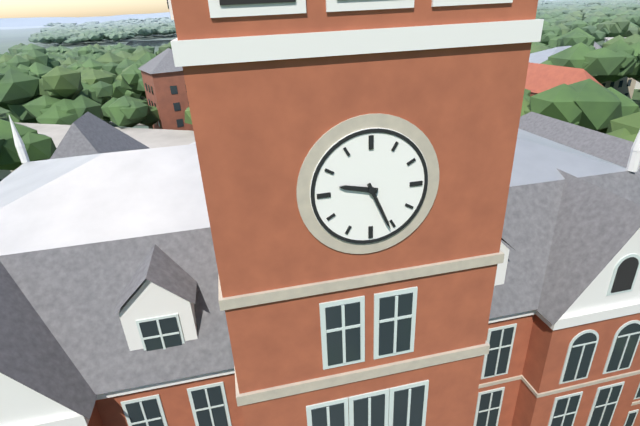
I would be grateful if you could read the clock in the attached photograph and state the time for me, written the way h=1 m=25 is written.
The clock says h=9 m=26
